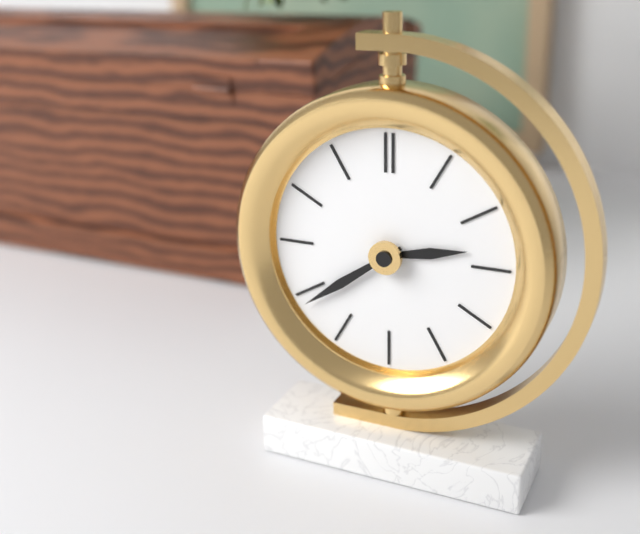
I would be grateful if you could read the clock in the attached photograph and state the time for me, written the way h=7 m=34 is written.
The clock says h=2 m=39
